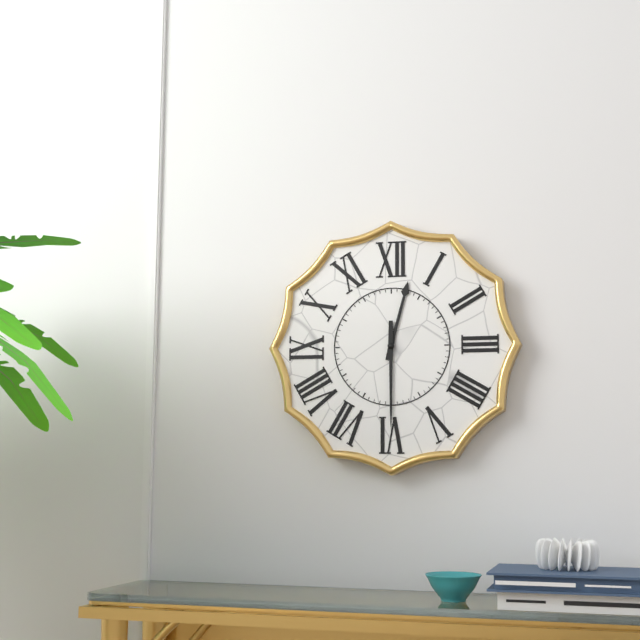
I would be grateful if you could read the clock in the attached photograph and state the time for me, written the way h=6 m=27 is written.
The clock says h=12 m=30
